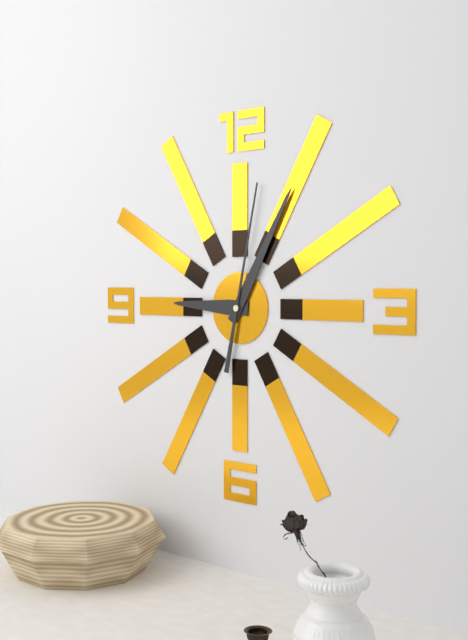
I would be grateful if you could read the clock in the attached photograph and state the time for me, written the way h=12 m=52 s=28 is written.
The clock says h=9 m=5 s=2
